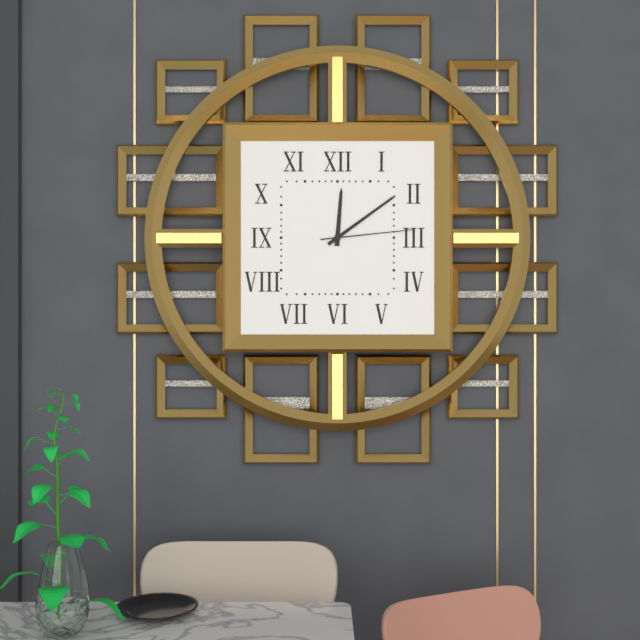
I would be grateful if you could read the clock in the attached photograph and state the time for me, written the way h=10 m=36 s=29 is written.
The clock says h=12 m=9 s=14
